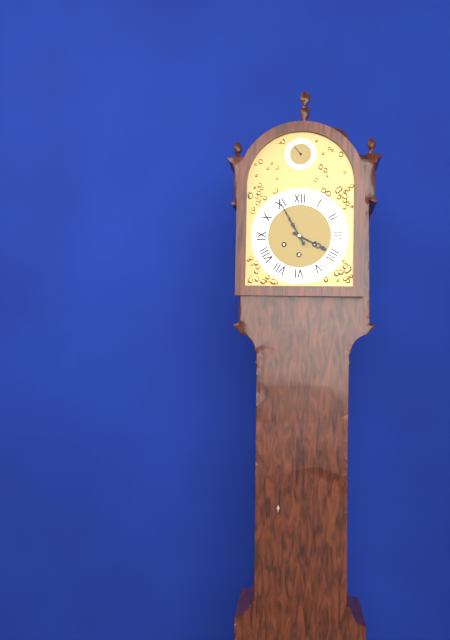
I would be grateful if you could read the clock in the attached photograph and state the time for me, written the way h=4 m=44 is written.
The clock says h=3 m=55
